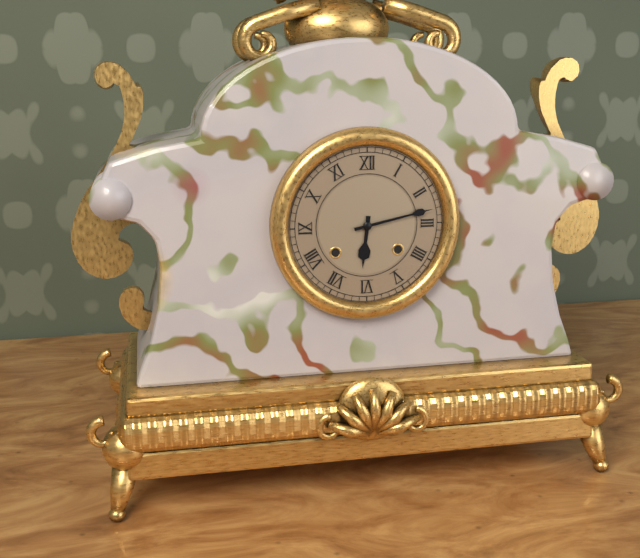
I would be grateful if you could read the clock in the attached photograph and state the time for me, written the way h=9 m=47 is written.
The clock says h=6 m=13
